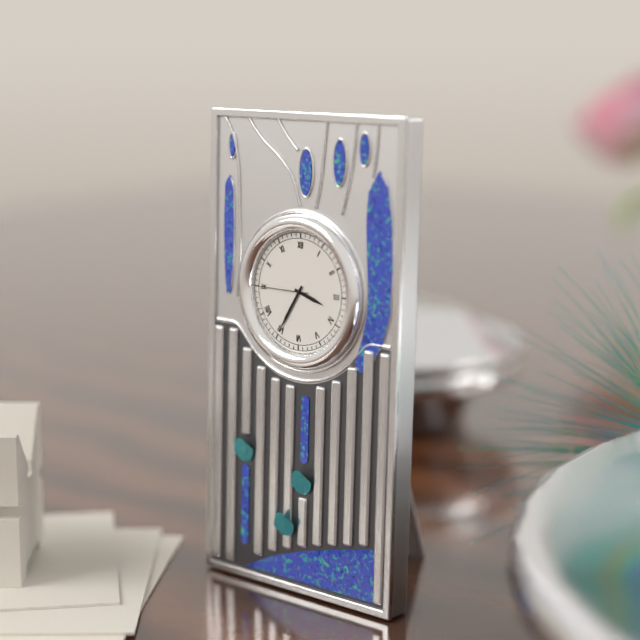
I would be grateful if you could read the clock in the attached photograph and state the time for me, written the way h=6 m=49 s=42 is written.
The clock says h=3 m=35 s=45
